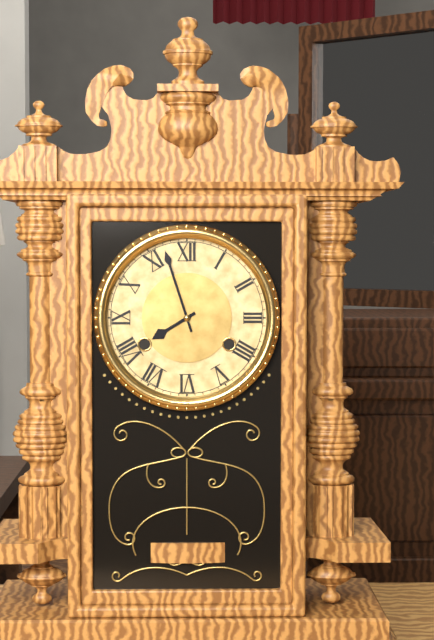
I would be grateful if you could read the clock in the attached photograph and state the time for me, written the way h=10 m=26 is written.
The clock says h=7 m=57
